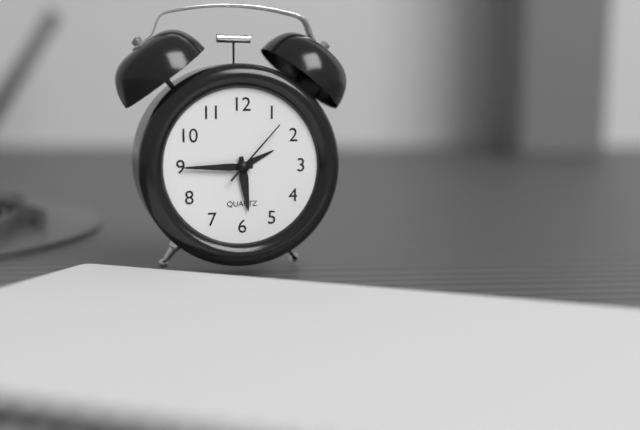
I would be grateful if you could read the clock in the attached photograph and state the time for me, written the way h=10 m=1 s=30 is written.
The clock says h=5 m=45 s=7
